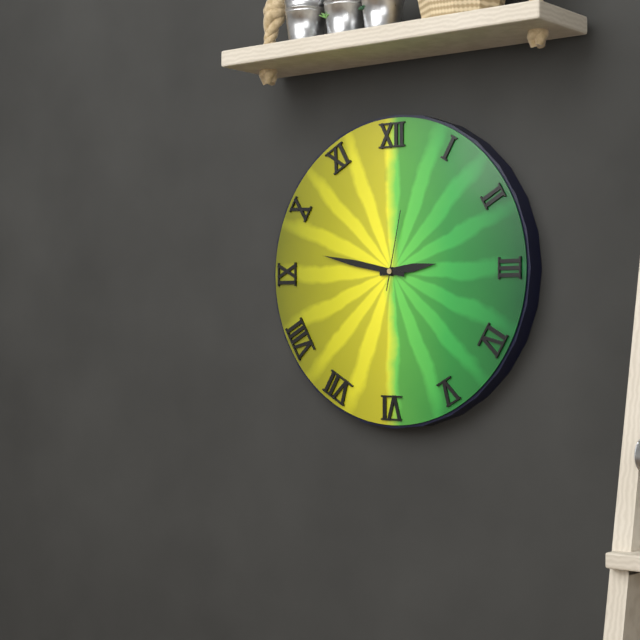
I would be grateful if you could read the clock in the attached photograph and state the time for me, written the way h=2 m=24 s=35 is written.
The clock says h=2 m=47 s=2
